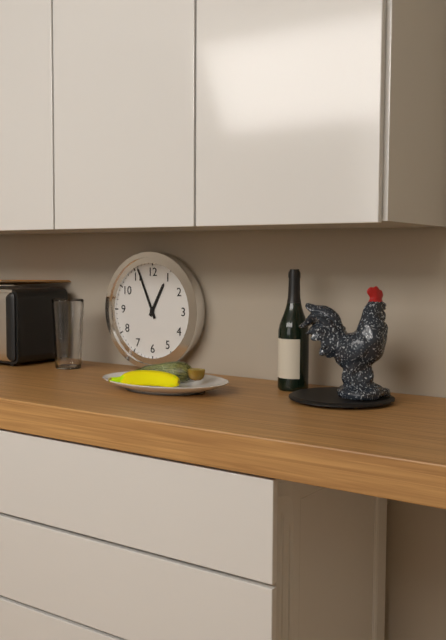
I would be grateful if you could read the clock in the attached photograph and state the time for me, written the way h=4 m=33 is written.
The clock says h=12 m=56
